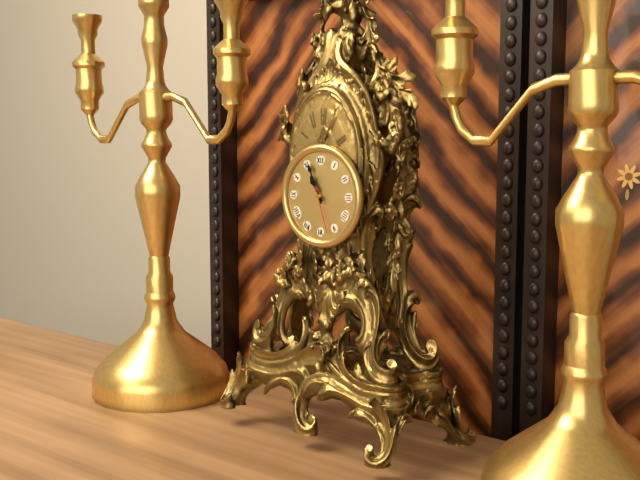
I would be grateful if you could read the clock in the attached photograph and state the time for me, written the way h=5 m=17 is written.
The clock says h=10 m=56
